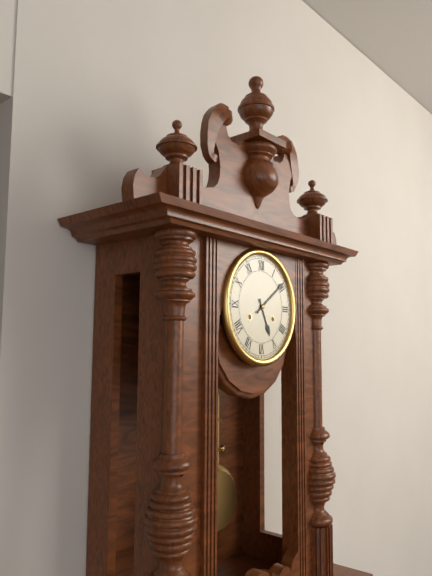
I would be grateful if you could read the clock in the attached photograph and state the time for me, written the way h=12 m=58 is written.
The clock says h=5 m=9
